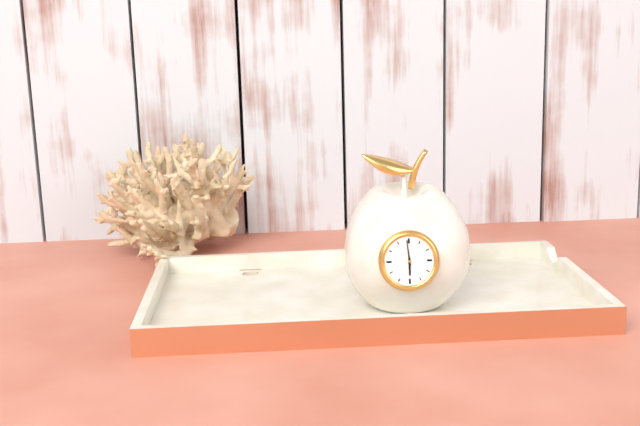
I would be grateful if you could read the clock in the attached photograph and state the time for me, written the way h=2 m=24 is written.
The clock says h=5 m=59
